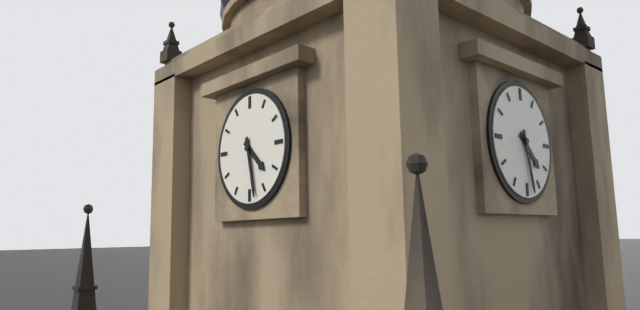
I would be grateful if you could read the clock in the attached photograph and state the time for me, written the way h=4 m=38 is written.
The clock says h=4 m=28
